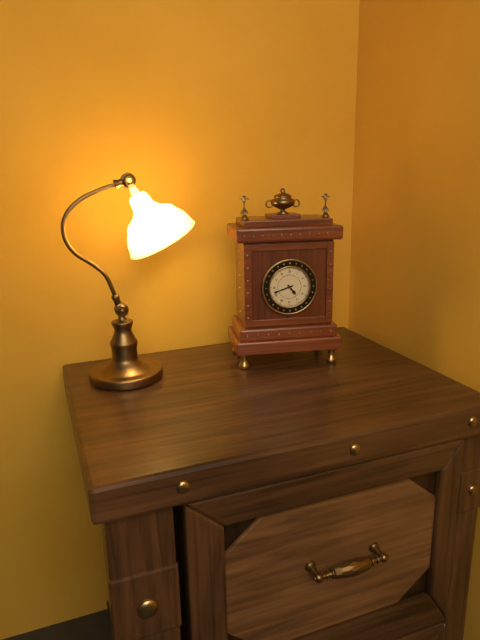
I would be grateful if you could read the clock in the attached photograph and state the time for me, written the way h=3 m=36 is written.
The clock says h=4 m=42
